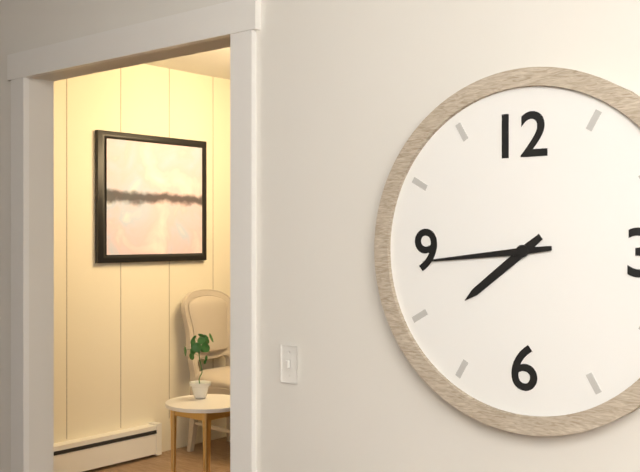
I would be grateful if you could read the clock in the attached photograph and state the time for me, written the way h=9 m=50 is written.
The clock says h=7 m=44
